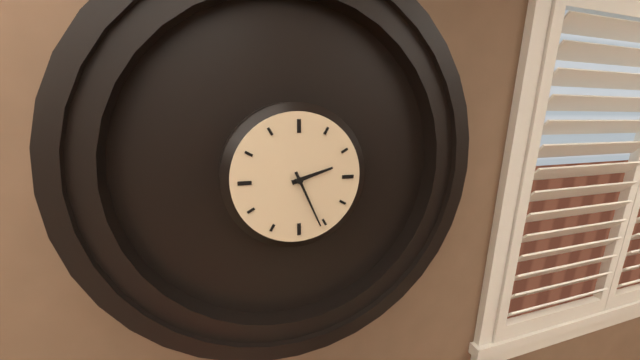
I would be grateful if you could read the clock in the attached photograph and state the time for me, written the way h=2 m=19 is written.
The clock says h=2 m=26
